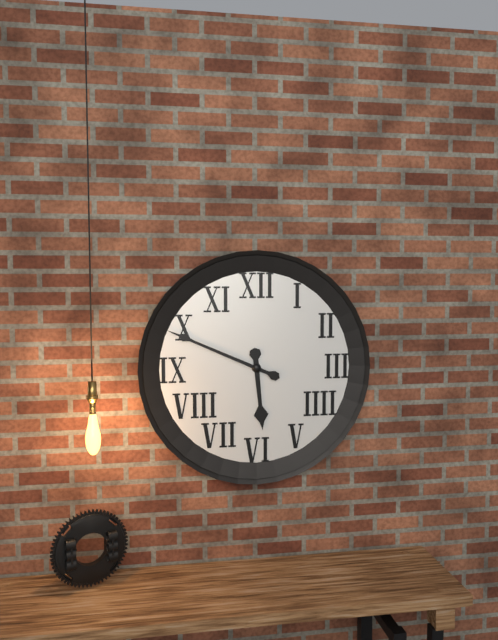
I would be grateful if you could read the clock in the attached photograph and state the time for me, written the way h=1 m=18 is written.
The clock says h=5 m=49
